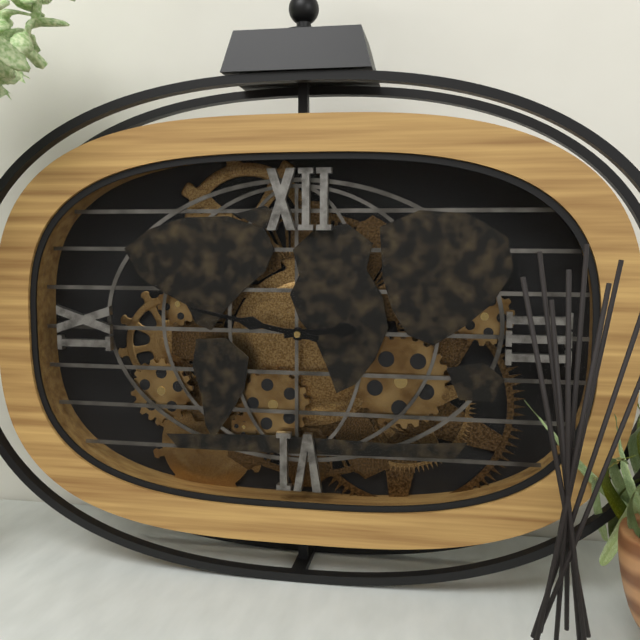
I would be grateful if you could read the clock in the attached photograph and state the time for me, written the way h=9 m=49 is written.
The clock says h=2 m=47
